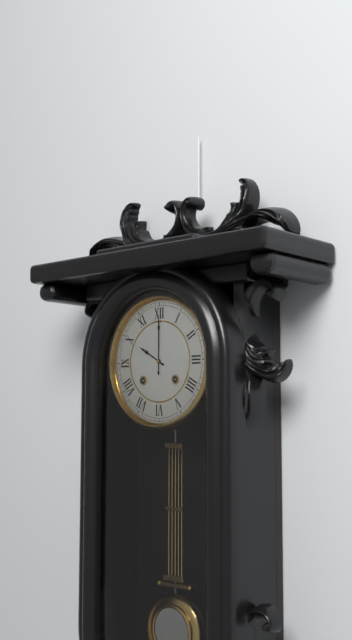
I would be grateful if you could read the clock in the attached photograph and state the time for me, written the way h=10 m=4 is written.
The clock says h=10 m=0
